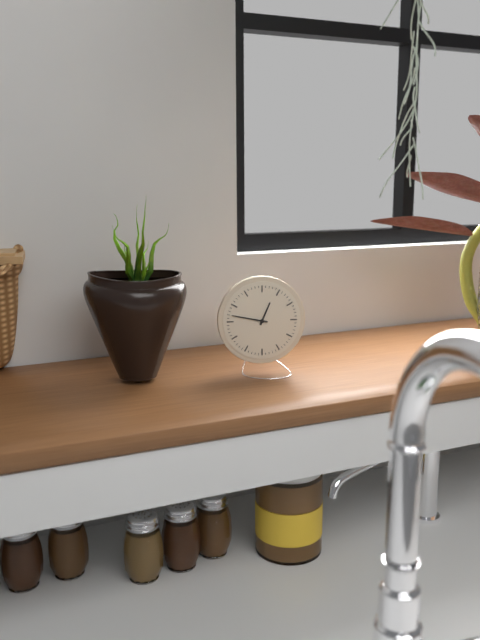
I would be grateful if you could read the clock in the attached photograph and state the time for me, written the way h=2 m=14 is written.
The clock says h=12 m=47
